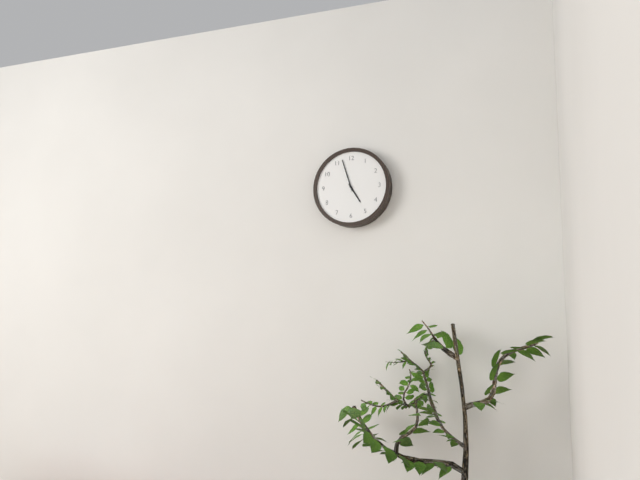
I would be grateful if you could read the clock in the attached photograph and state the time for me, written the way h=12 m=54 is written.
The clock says h=4 m=57
